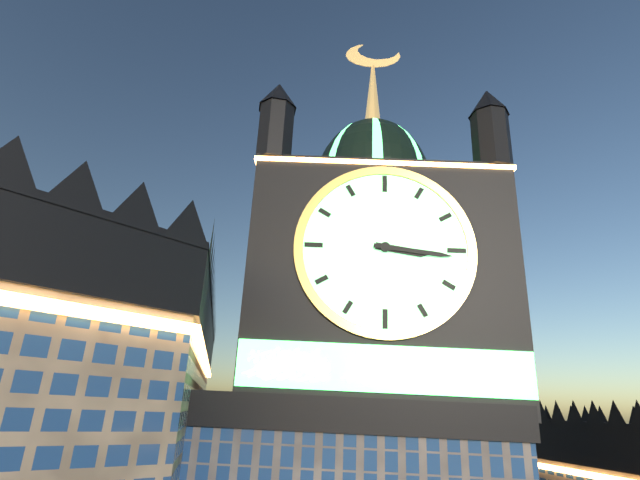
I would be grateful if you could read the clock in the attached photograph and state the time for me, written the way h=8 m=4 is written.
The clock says h=3 m=16
